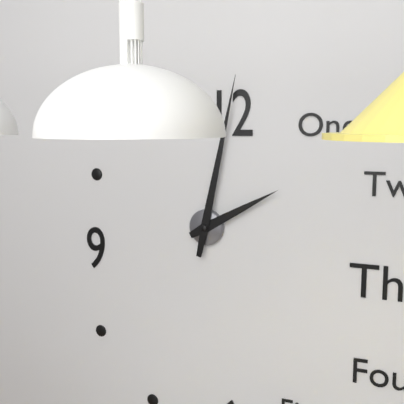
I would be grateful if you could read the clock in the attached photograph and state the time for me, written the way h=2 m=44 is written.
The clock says h=2 m=2
